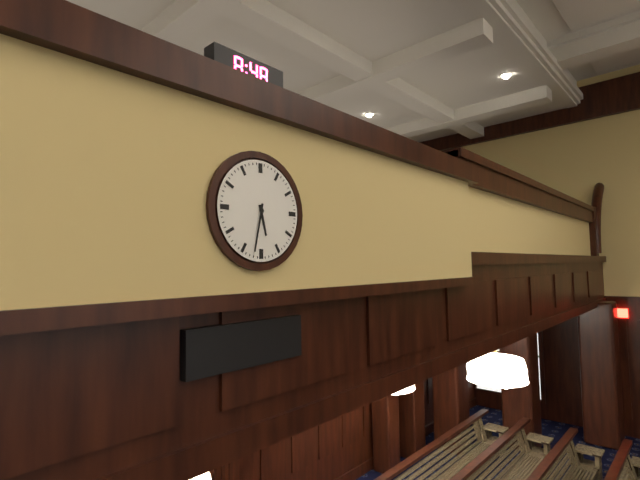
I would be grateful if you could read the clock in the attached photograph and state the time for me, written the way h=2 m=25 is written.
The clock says h=5 m=32
